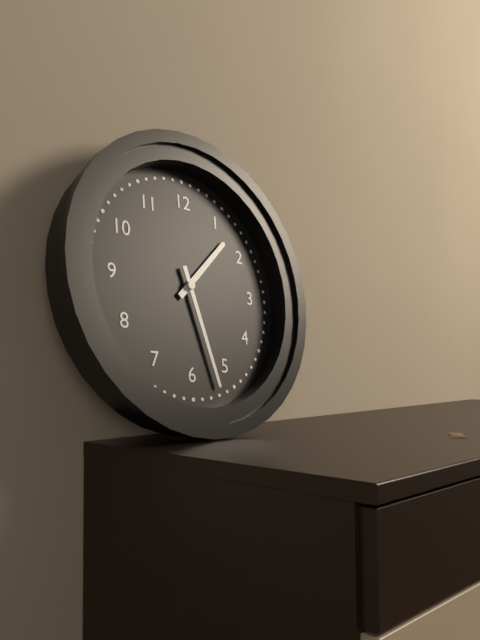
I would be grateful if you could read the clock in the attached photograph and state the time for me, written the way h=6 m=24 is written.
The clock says h=1 m=27
